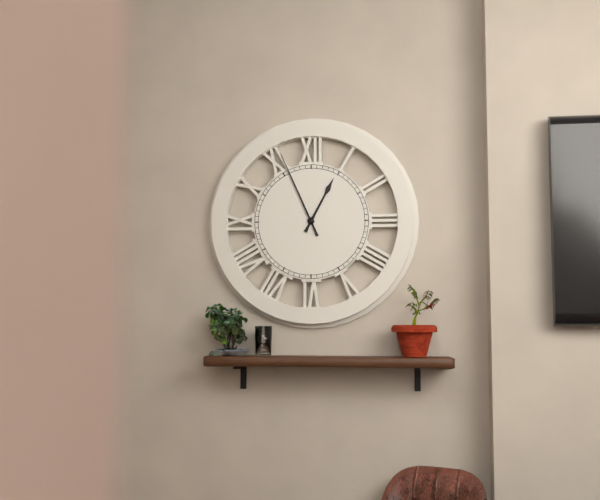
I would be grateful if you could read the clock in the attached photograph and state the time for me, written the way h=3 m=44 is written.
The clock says h=12 m=56
